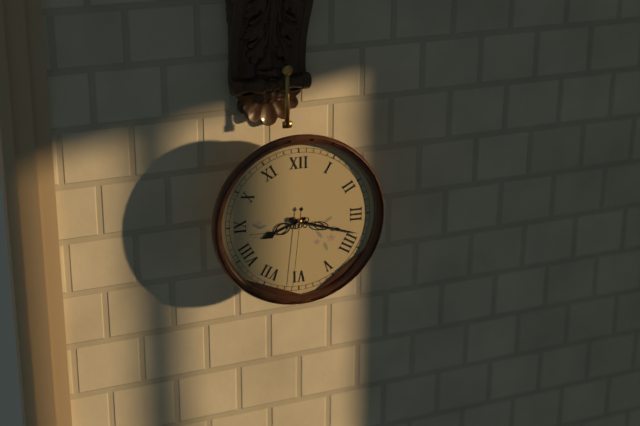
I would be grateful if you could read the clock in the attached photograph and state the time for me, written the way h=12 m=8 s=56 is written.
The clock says h=8 m=18 s=31
